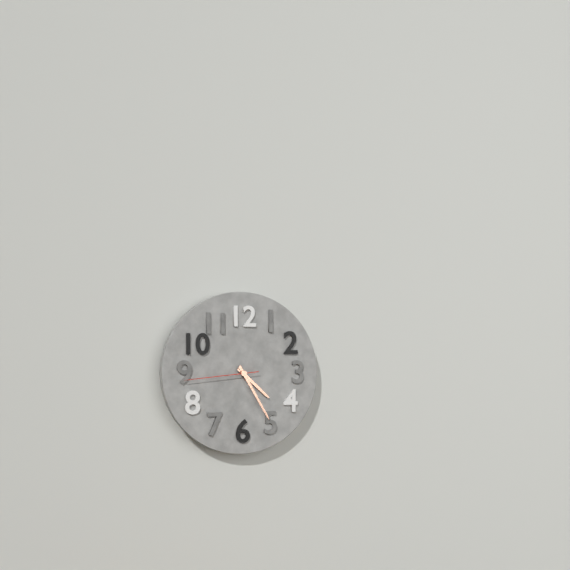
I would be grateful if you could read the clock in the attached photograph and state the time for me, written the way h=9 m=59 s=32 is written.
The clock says h=4 m=25 s=44
